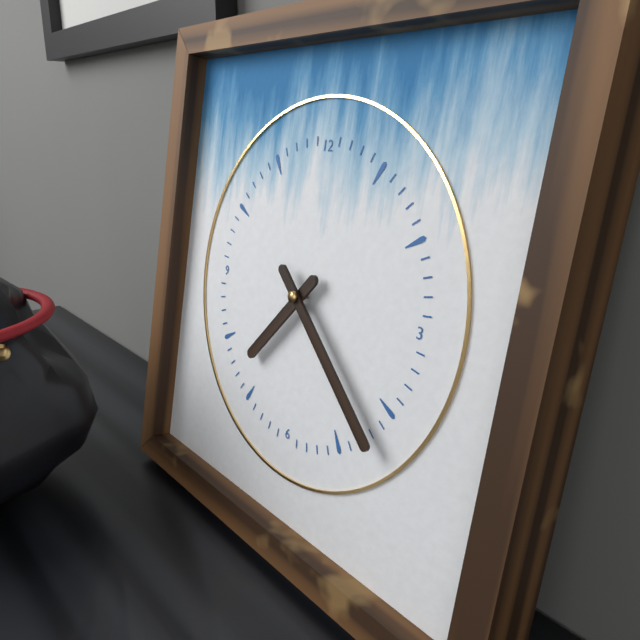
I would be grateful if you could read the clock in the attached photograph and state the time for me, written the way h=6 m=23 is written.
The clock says h=7 m=22
